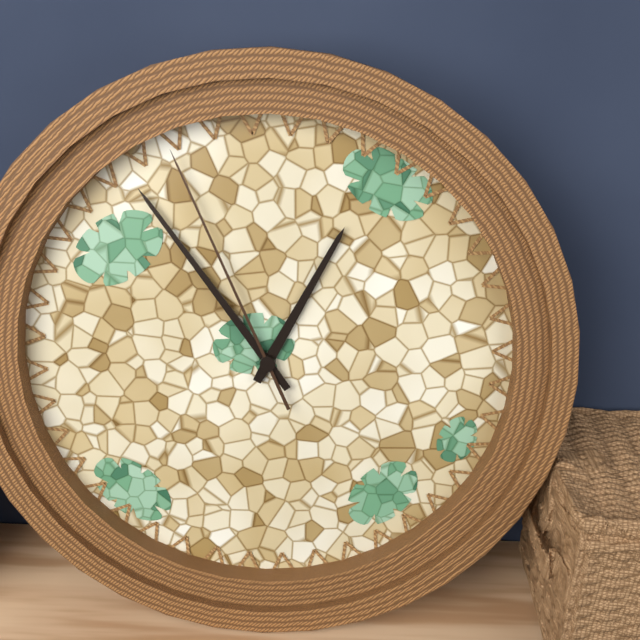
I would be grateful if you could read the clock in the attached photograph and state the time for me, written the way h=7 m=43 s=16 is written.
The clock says h=12 m=54 s=56
